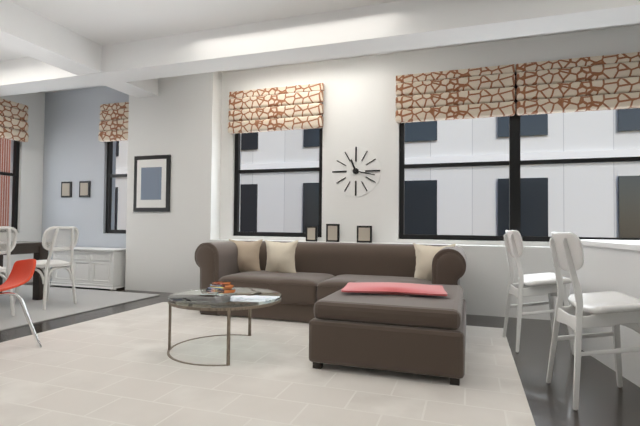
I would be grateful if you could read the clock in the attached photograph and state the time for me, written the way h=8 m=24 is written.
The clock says h=11 m=17
